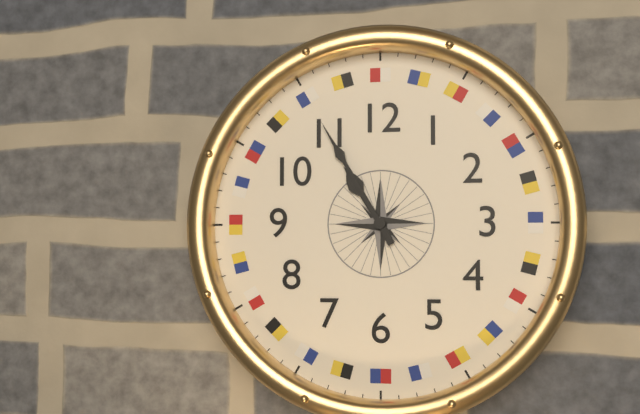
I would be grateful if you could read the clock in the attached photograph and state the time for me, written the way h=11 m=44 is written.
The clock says h=10 m=55
